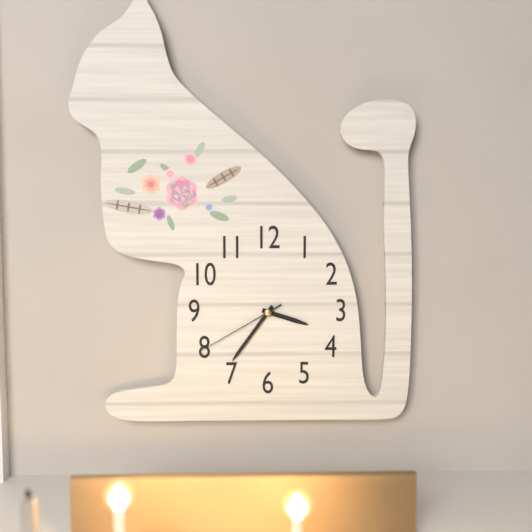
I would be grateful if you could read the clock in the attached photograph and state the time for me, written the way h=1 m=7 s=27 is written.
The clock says h=3 m=36 s=40
